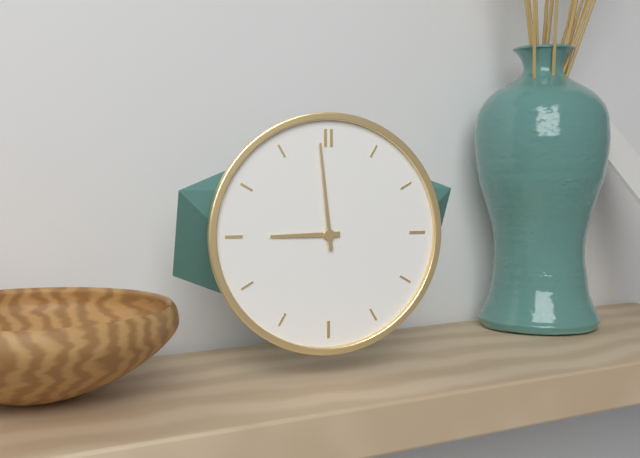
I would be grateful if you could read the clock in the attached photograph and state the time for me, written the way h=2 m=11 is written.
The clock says h=8 m=59
